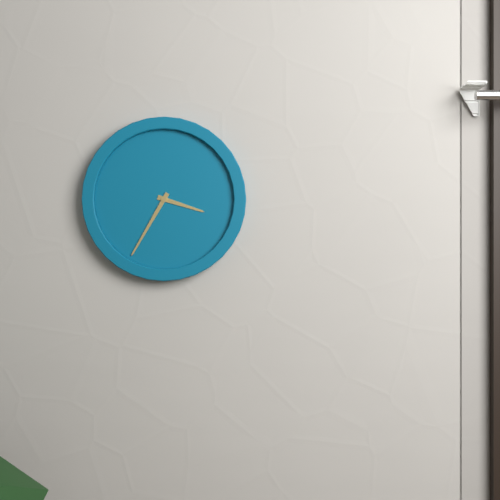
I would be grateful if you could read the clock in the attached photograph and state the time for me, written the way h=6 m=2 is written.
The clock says h=3 m=35
